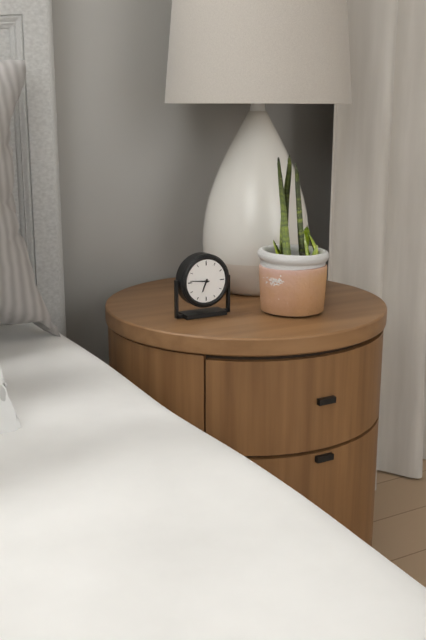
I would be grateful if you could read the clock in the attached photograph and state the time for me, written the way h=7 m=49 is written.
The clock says h=6 m=46
